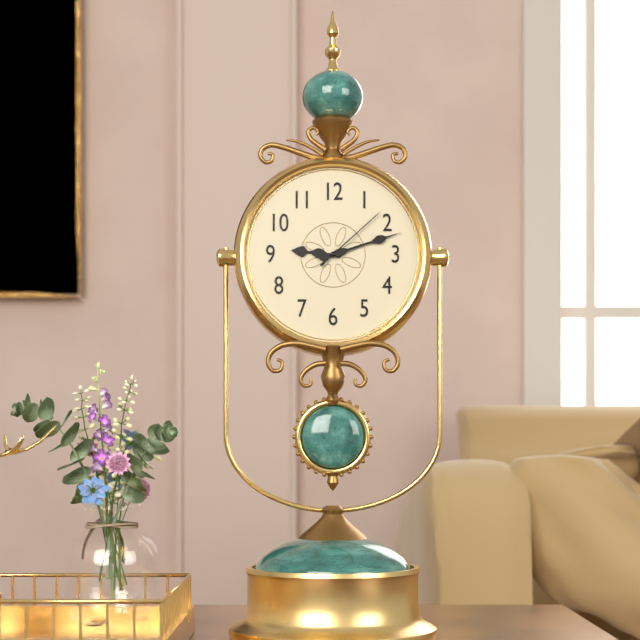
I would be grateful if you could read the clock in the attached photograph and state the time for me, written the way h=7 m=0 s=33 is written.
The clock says h=9 m=12 s=8
